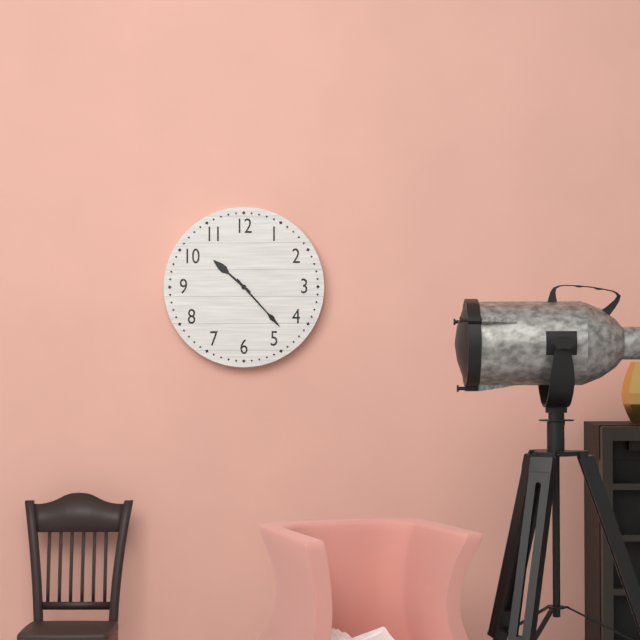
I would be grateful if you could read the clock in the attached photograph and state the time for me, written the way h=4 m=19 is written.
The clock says h=10 m=23
